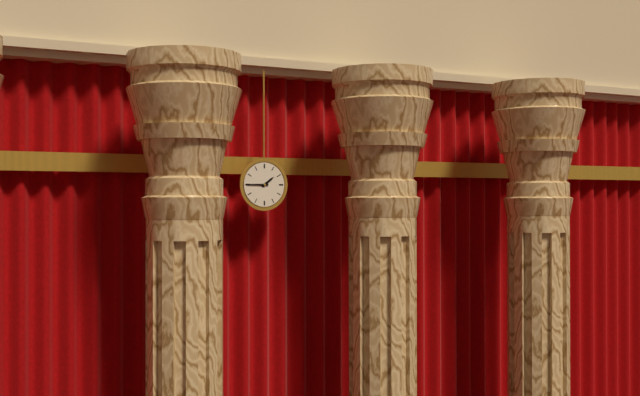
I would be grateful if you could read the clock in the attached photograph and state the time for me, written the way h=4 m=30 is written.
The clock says h=1 m=45
